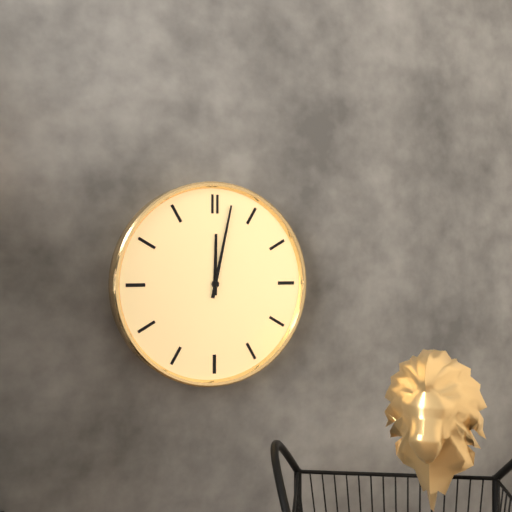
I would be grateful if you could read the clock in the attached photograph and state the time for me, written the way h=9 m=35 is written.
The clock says h=12 m=2
